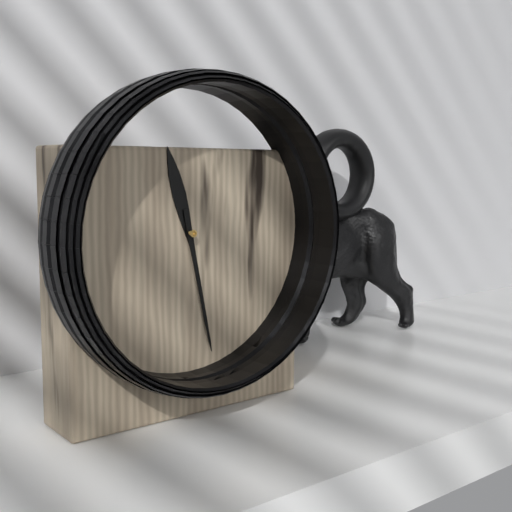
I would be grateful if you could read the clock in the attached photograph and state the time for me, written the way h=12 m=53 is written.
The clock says h=11 m=28
